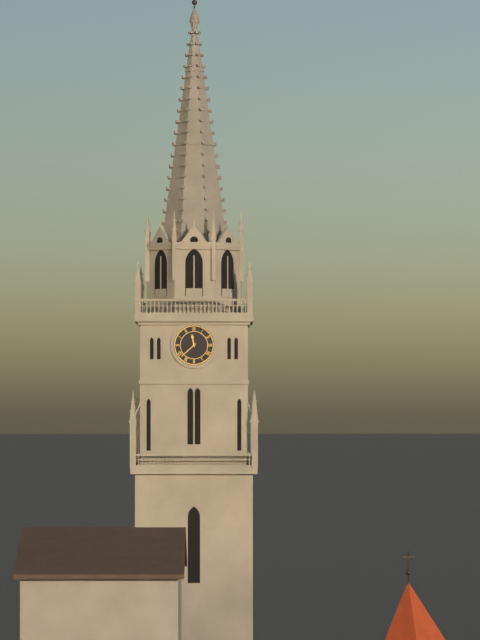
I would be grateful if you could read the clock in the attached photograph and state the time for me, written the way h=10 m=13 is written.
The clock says h=11 m=38
